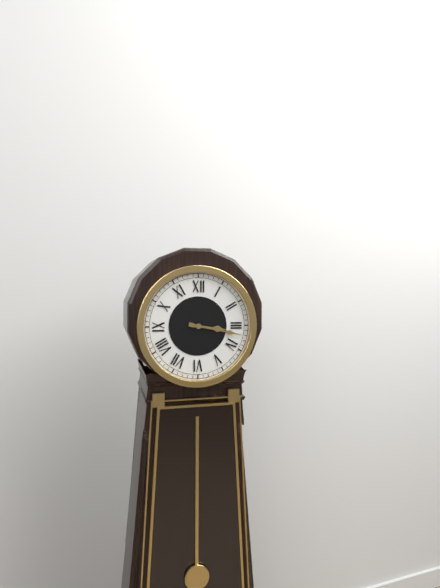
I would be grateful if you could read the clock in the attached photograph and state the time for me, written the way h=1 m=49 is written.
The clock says h=3 m=17
